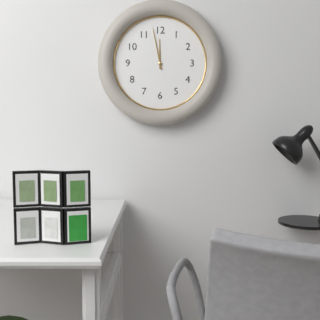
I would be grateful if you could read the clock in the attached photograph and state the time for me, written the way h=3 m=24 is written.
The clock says h=11 m=58
